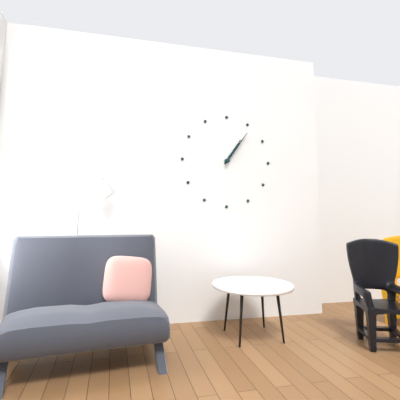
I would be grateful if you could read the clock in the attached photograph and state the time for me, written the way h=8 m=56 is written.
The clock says h=1 m=6
